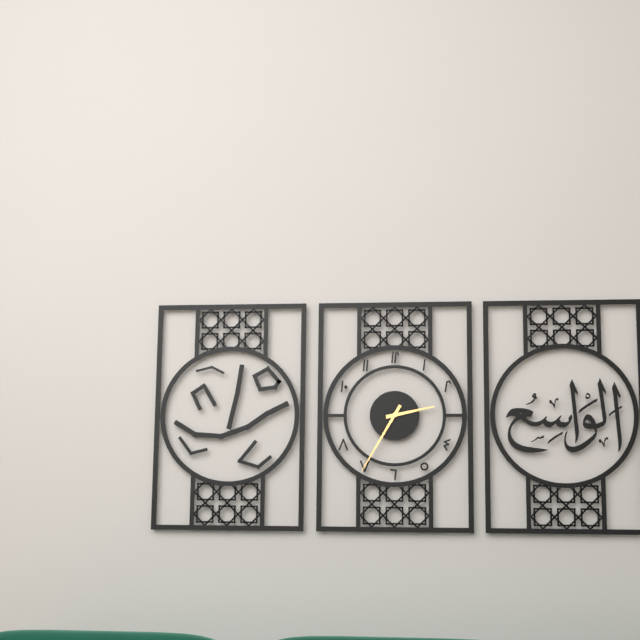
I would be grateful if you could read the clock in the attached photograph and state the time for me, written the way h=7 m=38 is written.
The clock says h=2 m=35
